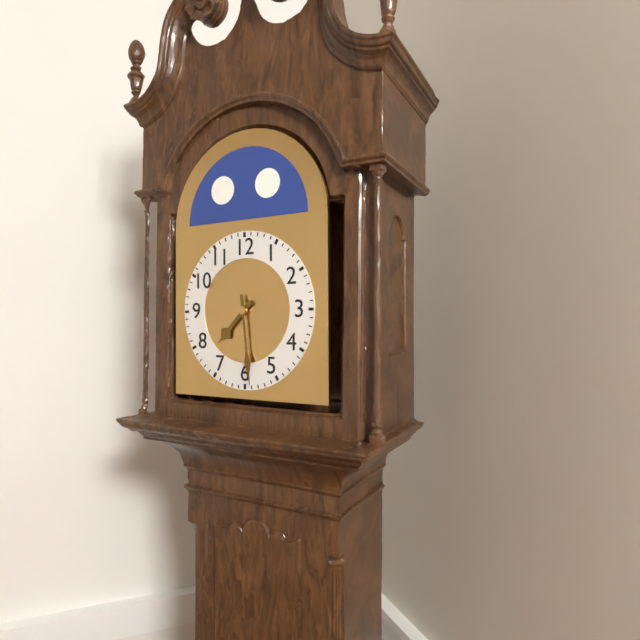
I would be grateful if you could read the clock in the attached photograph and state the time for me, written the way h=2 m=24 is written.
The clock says h=7 m=29
